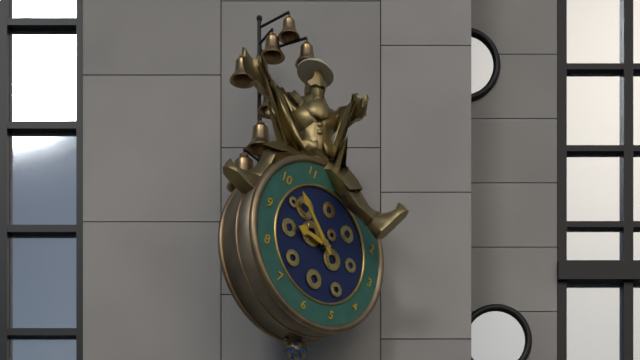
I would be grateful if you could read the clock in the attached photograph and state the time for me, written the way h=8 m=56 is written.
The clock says h=8 m=51
